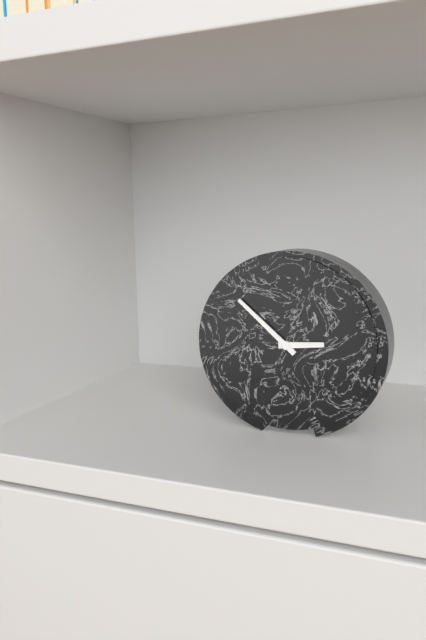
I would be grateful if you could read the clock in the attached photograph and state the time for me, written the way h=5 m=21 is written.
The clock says h=2 m=52
